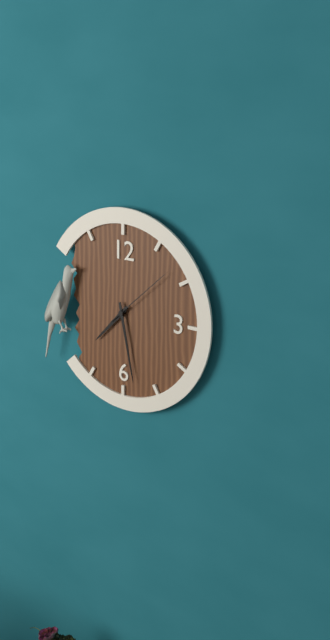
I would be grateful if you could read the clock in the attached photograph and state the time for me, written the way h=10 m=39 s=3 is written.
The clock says h=7 m=28 s=8
